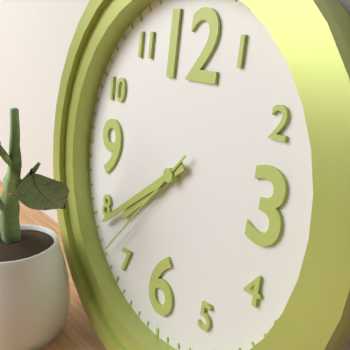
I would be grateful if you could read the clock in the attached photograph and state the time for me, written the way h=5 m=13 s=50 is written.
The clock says h=7 m=39 s=37
